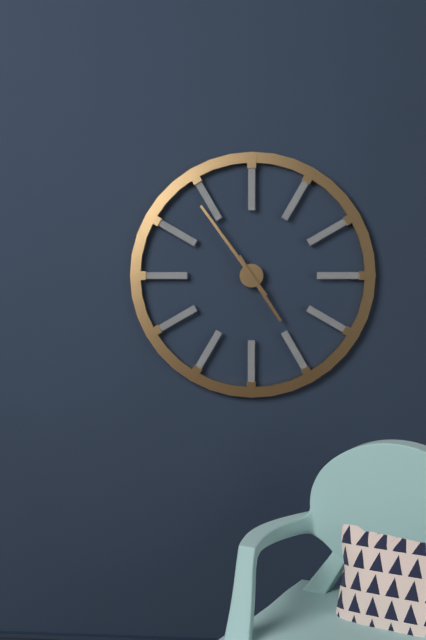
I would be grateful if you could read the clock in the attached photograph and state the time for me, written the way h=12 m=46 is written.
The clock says h=4 m=54
